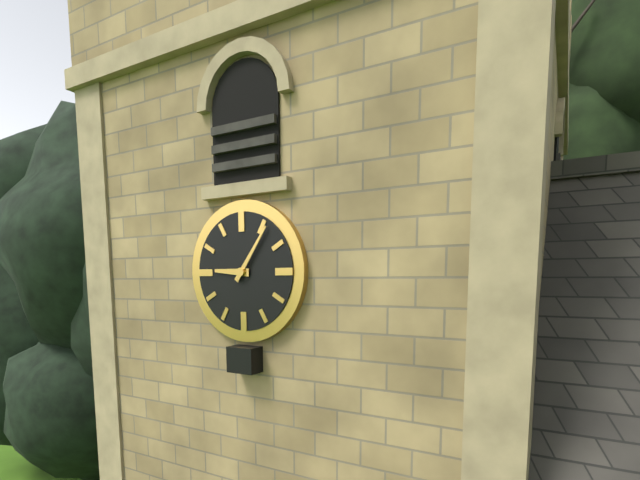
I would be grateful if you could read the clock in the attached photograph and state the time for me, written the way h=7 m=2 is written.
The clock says h=9 m=6
